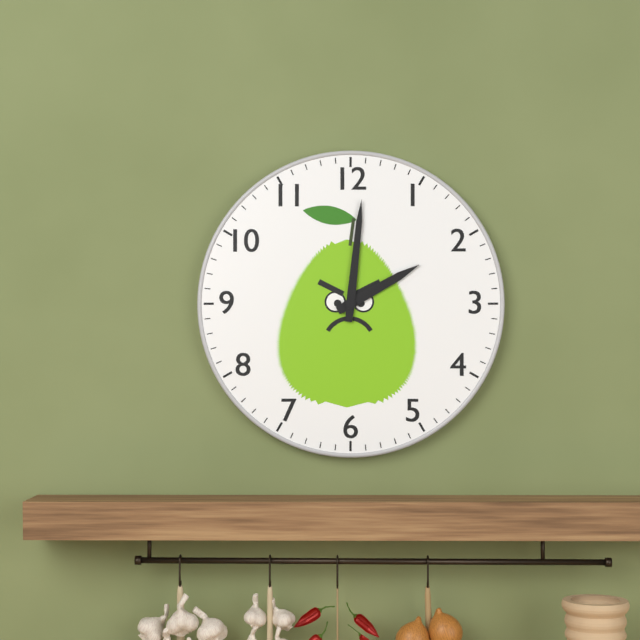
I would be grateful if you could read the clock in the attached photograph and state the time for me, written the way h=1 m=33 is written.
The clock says h=2 m=1
